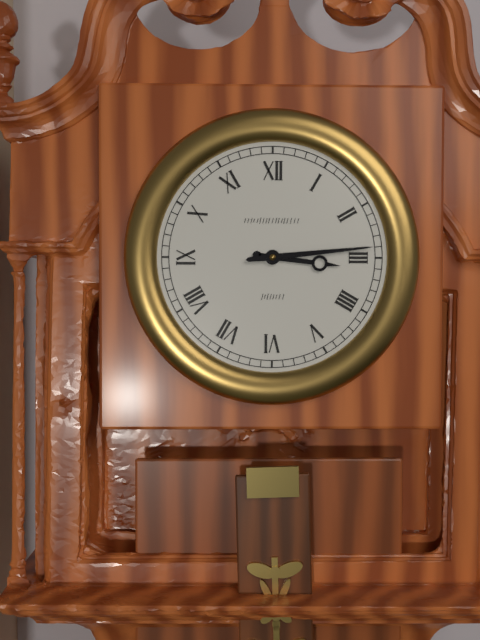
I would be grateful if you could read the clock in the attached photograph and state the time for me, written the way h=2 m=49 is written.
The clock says h=3 m=14
